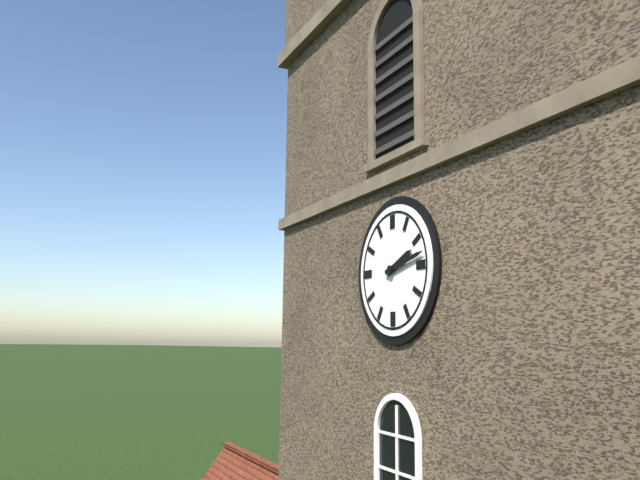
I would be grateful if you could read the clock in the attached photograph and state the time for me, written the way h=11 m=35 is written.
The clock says h=2 m=13
